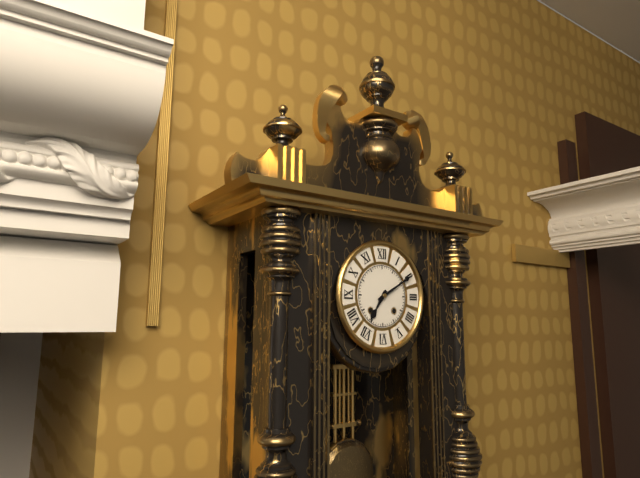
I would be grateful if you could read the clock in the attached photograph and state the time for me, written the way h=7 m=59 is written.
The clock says h=7 m=10
